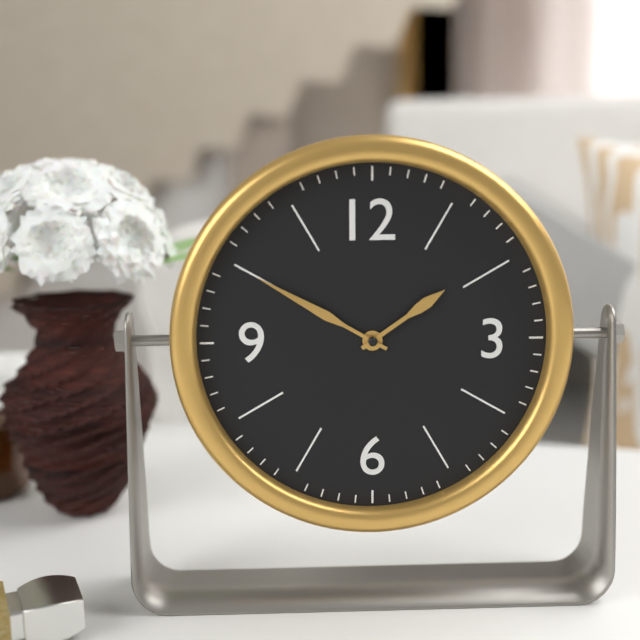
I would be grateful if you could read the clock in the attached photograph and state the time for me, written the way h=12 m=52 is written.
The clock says h=1 m=50
